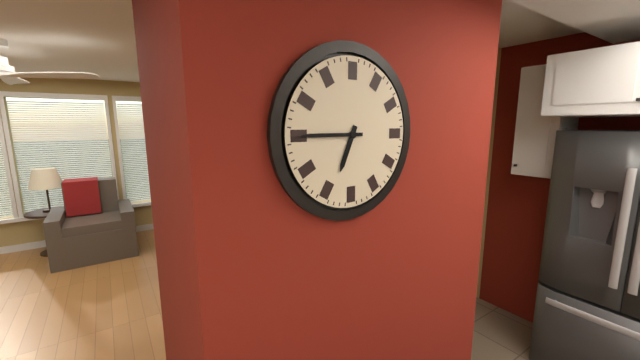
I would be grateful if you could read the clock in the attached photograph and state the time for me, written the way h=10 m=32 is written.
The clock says h=6 m=45
